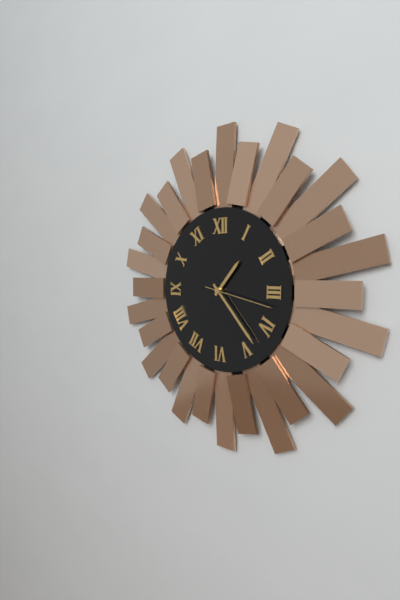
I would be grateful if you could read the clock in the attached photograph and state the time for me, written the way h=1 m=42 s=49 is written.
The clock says h=1 m=23 s=17
